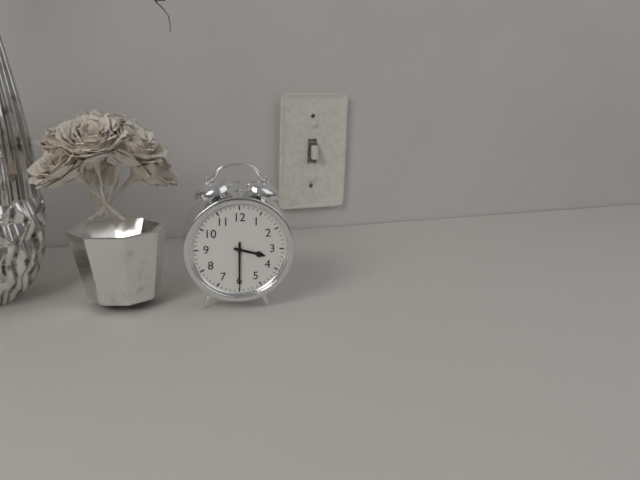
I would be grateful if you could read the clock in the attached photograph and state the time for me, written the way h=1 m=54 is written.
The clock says h=3 m=30
